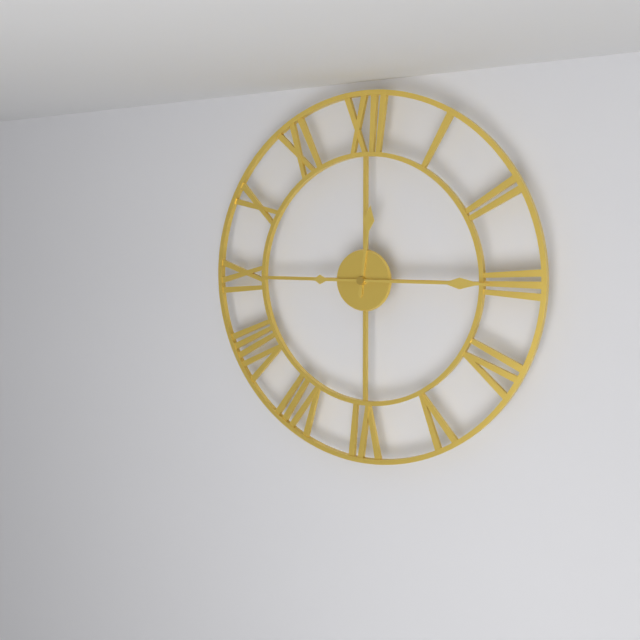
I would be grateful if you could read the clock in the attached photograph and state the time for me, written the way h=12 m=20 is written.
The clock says h=12 m=15
